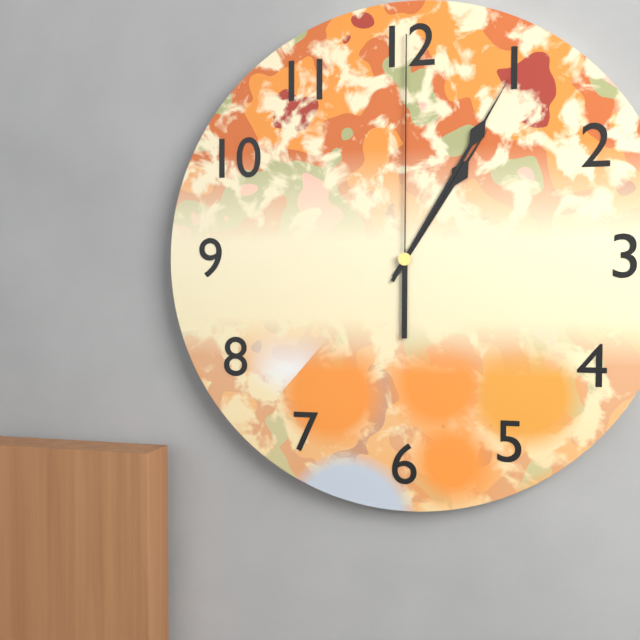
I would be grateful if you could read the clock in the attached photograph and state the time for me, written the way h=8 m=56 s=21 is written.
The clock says h=1 m=5 s=0
